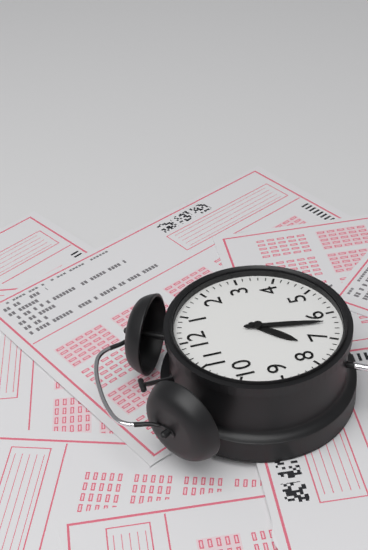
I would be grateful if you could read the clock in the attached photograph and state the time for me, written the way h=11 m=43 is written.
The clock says h=7 m=32
